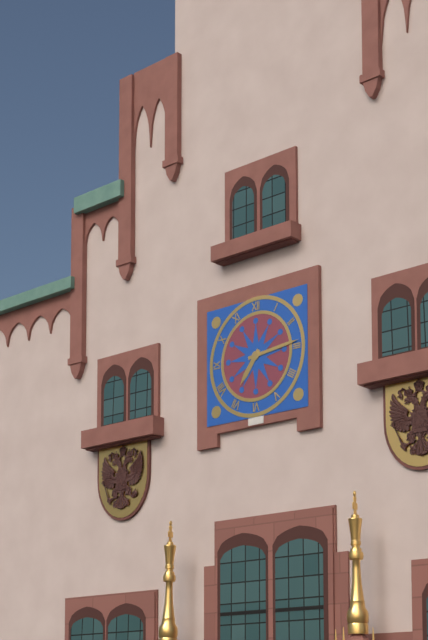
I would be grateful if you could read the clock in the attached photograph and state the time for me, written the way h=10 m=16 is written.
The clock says h=7 m=14
